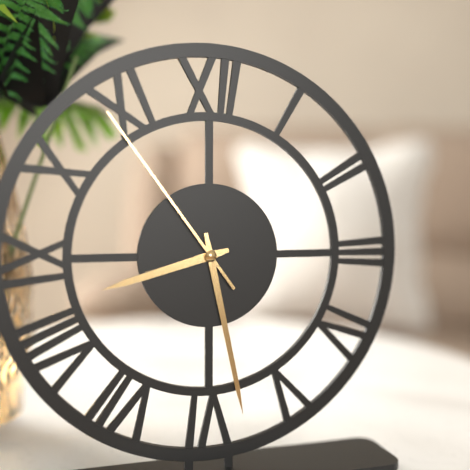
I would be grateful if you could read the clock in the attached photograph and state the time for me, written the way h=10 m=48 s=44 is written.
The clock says h=8 m=28 s=54
